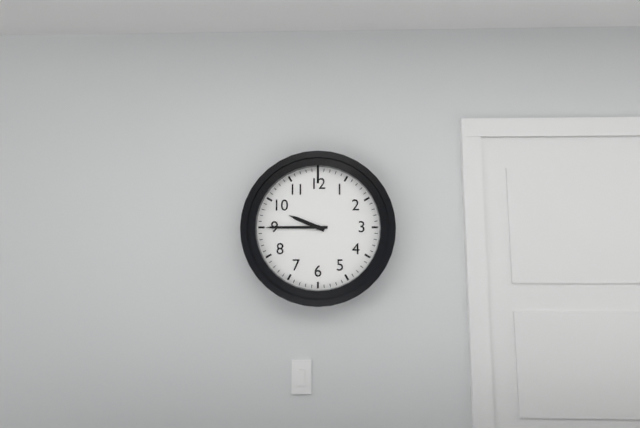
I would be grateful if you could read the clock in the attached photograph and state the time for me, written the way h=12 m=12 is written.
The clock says h=9 m=45
